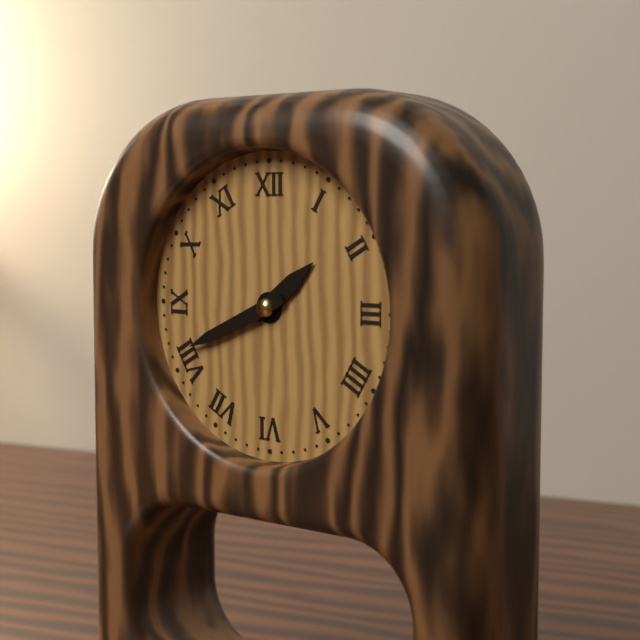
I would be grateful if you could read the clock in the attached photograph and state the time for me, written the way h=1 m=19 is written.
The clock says h=1 m=41
